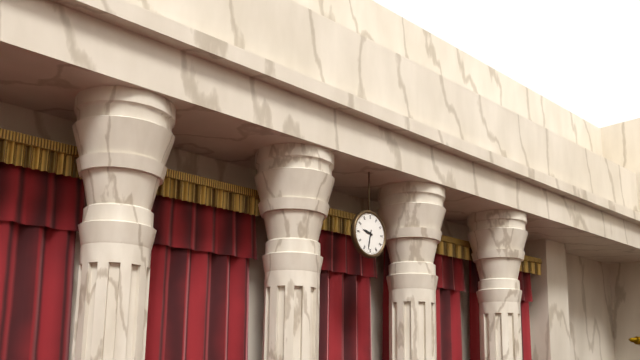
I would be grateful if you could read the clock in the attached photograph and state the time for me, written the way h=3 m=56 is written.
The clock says h=9 m=32
